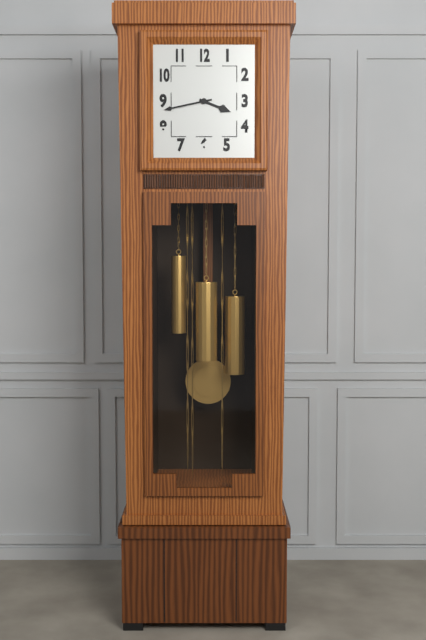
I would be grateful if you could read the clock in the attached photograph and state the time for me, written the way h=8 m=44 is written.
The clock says h=3 m=43
